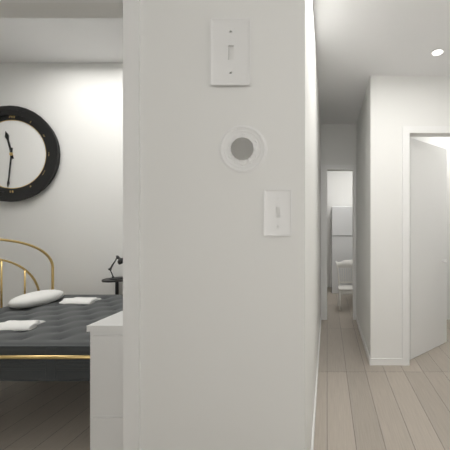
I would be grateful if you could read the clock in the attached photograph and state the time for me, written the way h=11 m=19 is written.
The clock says h=11 m=31
